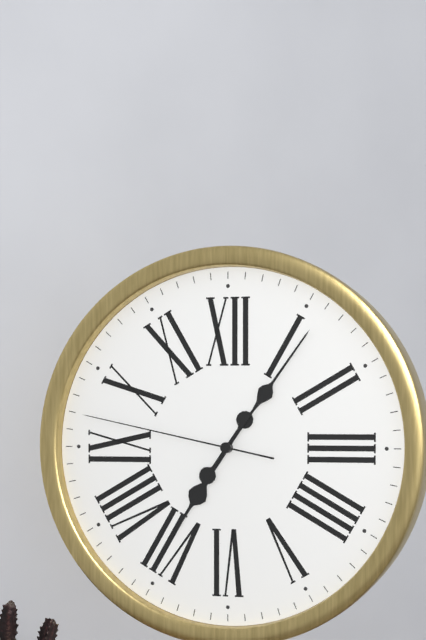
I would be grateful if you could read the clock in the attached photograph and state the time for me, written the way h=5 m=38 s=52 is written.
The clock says h=7 m=6 s=47
